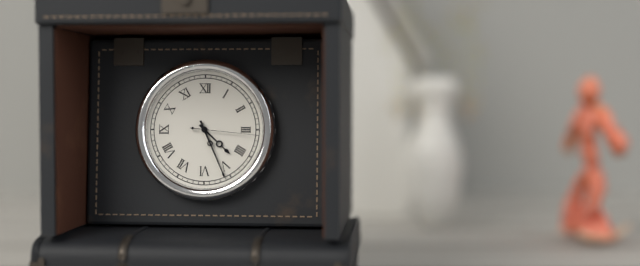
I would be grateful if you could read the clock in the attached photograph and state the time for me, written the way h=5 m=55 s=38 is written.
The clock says h=4 m=26 s=16
